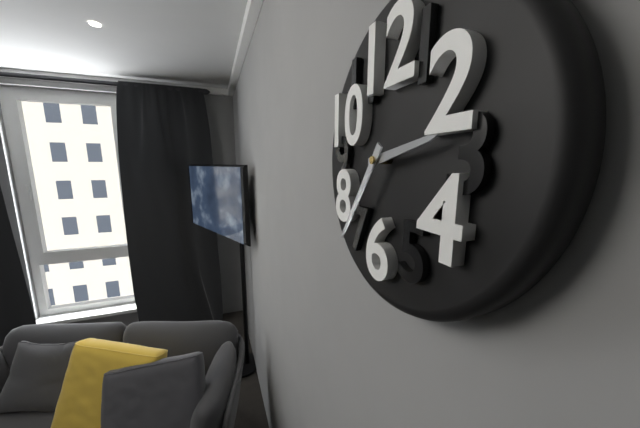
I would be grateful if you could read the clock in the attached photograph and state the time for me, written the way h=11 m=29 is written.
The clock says h=2 m=36
